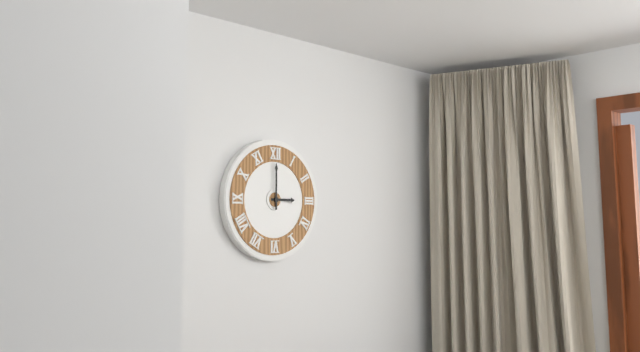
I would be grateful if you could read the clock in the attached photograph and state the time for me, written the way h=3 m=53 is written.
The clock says h=3 m=0
